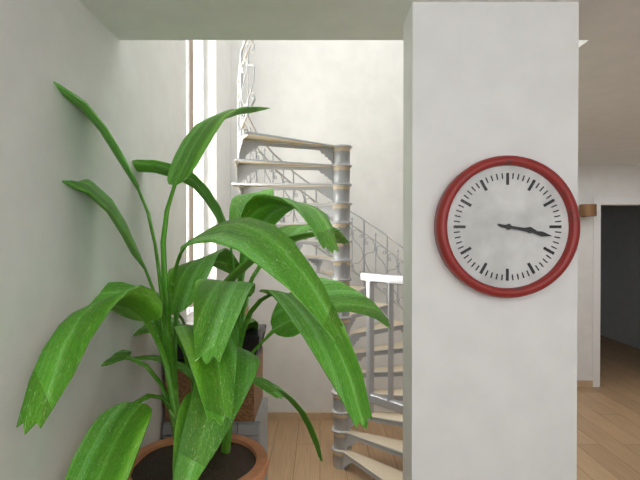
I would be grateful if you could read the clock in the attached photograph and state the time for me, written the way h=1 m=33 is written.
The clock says h=3 m=17
